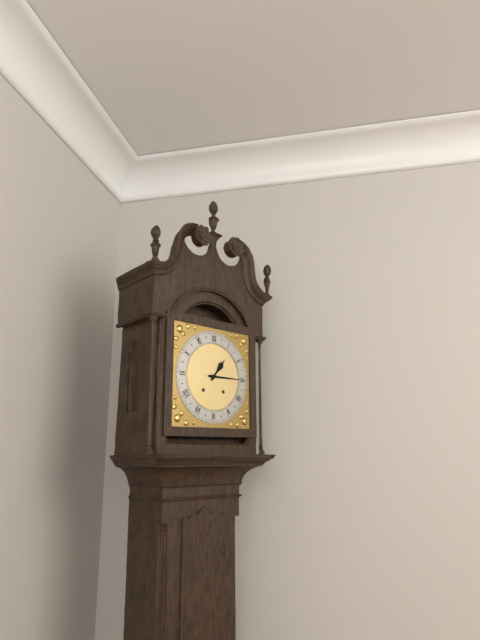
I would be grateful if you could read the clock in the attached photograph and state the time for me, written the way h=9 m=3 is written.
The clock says h=1 m=15
